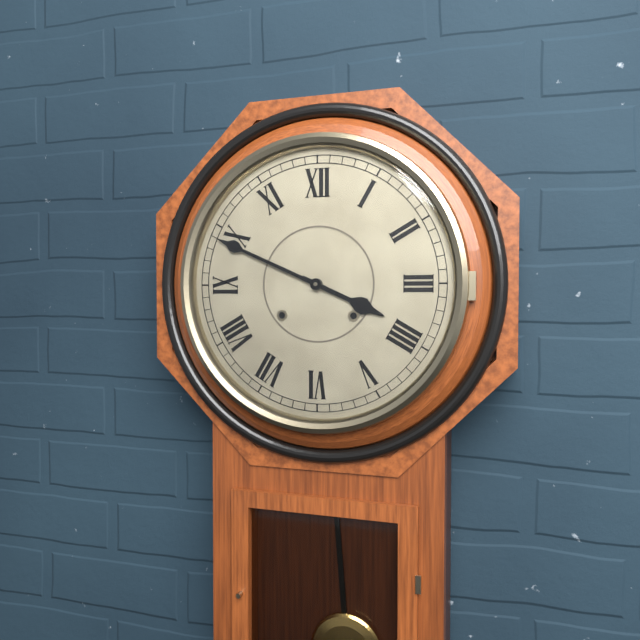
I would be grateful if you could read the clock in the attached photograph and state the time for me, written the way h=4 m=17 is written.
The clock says h=3 m=49
